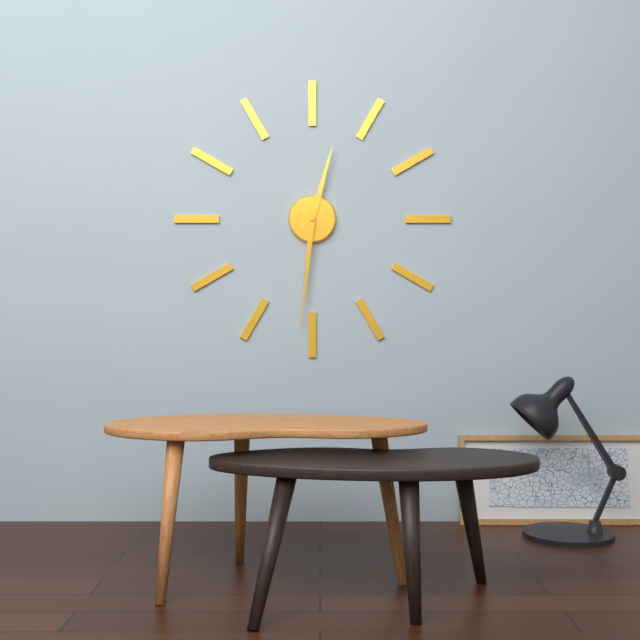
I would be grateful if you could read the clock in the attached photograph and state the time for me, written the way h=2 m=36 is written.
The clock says h=12 m=31
